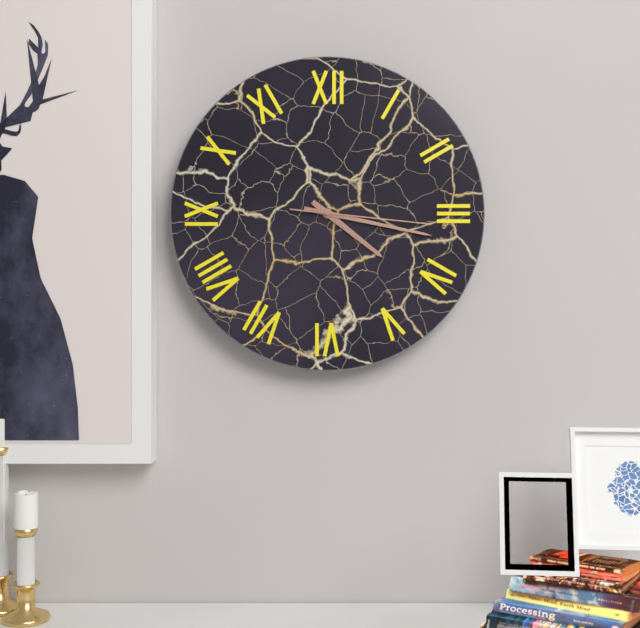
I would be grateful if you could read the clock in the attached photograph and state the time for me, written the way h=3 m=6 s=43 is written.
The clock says h=4 m=17 s=16
